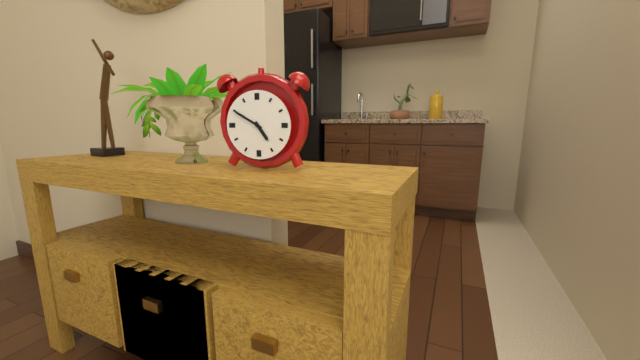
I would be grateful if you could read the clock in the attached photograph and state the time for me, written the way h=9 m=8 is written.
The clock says h=4 m=50
